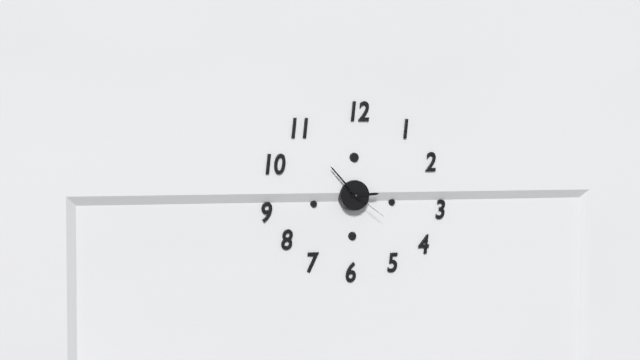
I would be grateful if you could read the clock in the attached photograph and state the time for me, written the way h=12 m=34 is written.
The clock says h=2 m=53
